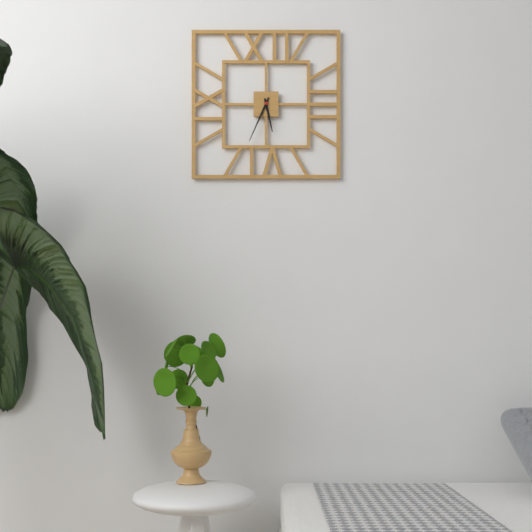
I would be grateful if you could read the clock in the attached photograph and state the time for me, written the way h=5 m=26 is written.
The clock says h=5 m=34
